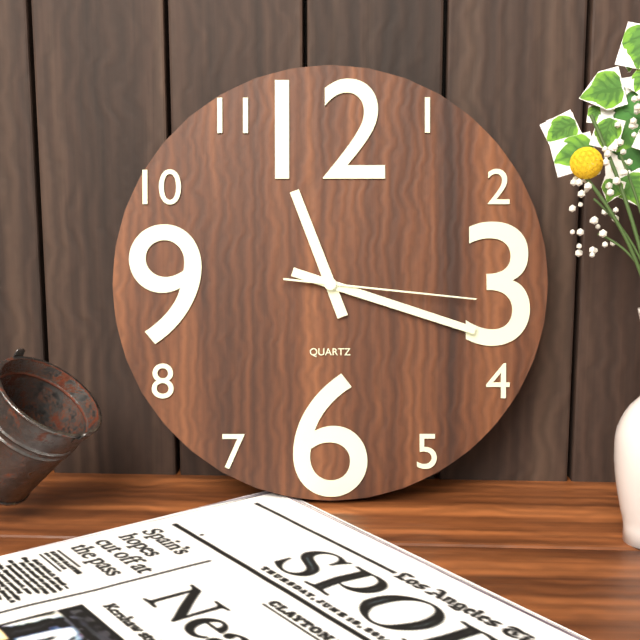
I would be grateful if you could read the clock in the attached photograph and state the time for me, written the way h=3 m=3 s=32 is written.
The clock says h=11 m=18 s=16
